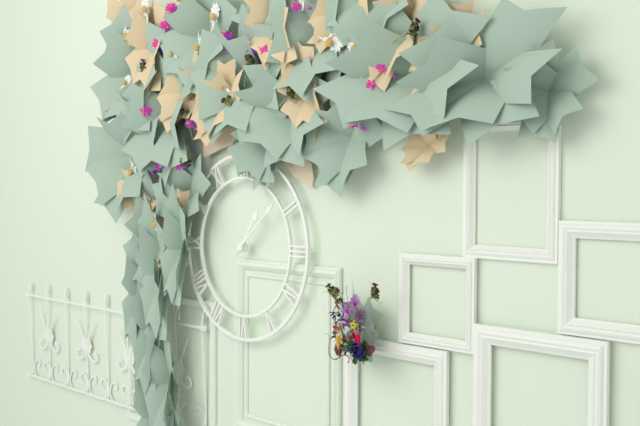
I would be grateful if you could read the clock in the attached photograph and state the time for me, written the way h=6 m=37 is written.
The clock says h=1 m=8
